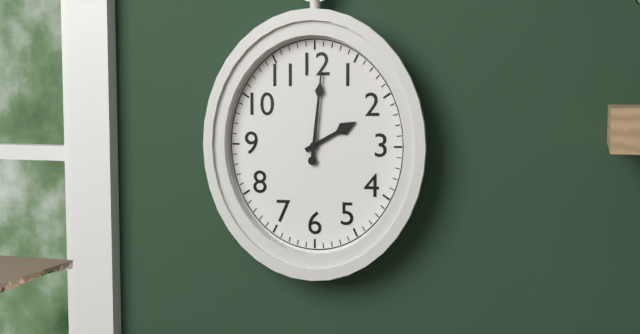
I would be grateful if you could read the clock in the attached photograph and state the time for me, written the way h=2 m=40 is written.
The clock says h=2 m=1
